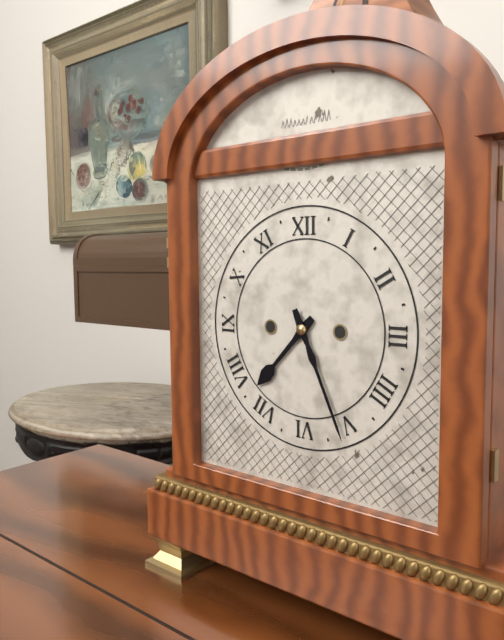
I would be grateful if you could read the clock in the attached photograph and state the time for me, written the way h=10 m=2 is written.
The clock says h=7 m=26
